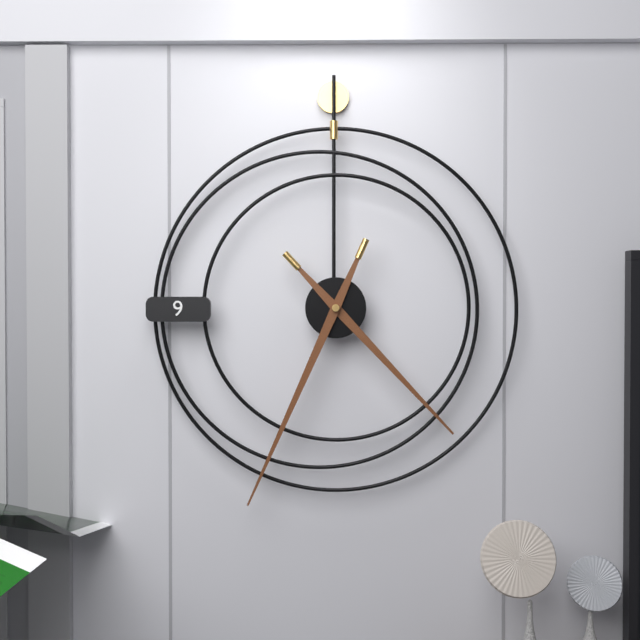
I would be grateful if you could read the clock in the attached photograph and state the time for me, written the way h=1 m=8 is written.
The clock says h=4 m=34
